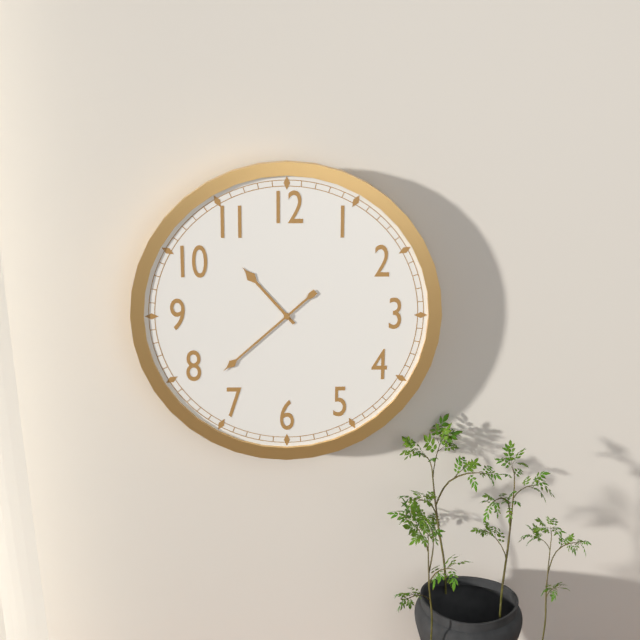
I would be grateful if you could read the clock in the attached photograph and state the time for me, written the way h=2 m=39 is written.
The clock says h=10 m=38
